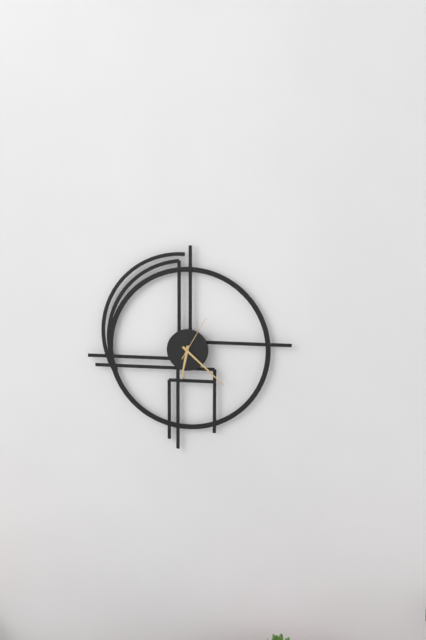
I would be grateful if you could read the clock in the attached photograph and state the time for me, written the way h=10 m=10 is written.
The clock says h=6 m=22
